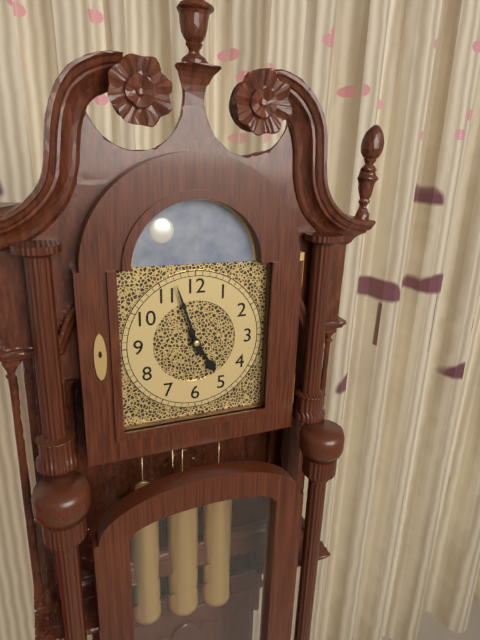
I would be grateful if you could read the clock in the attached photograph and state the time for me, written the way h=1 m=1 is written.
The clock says h=4 m=57
